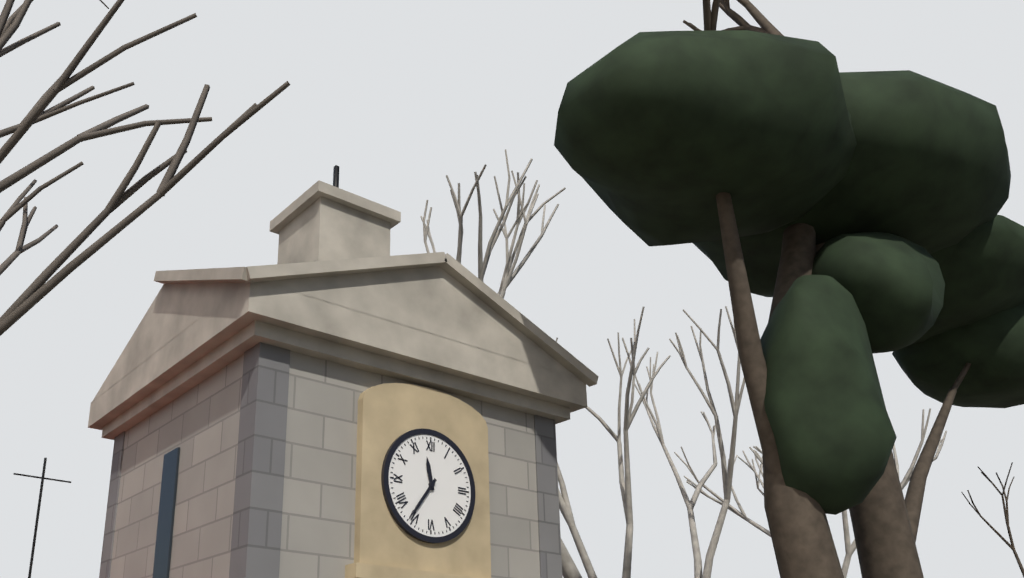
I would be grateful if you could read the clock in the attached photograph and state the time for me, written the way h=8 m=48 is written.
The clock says h=11 m=36
